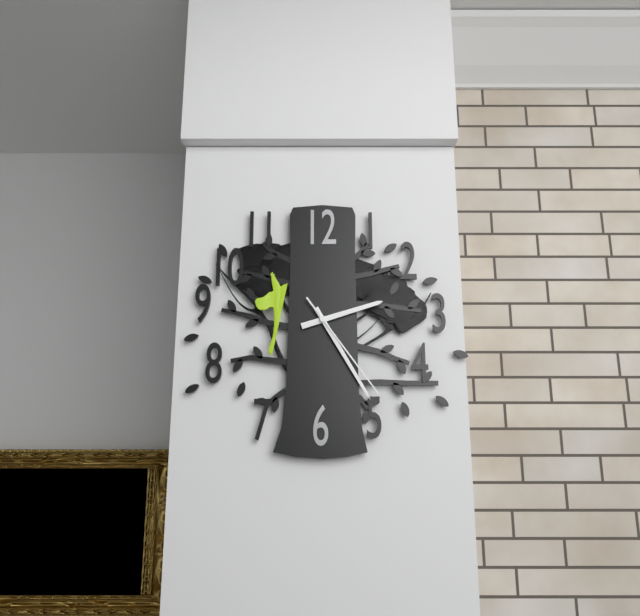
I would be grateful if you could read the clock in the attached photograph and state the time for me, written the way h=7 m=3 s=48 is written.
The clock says h=2 m=25 s=24
